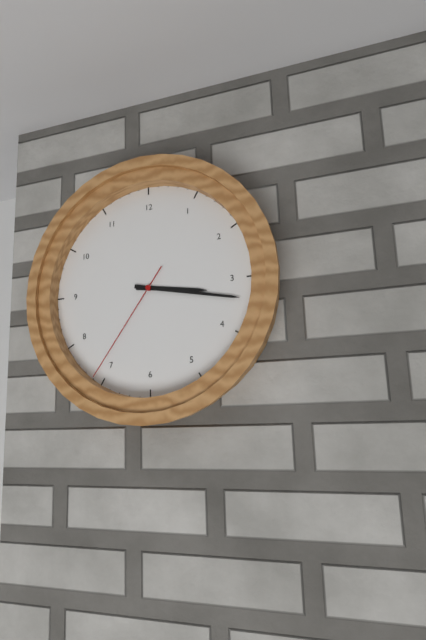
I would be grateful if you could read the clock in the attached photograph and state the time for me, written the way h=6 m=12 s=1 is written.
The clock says h=3 m=17 s=36
